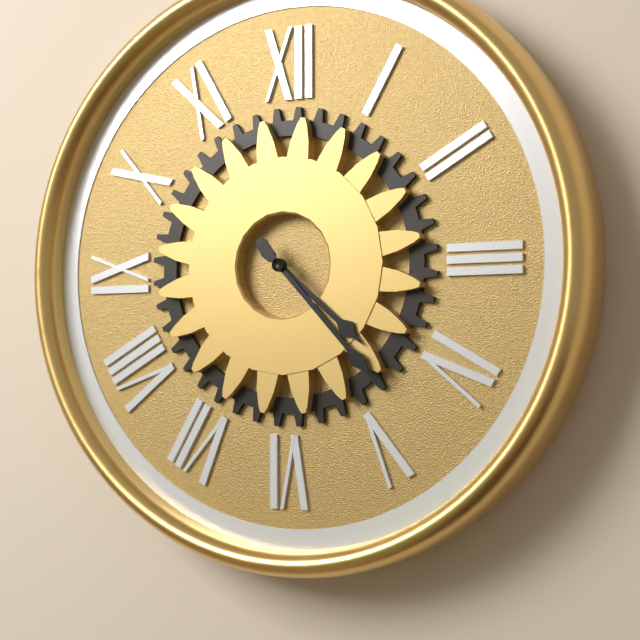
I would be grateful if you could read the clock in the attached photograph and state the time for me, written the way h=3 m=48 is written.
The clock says h=4 m=23
